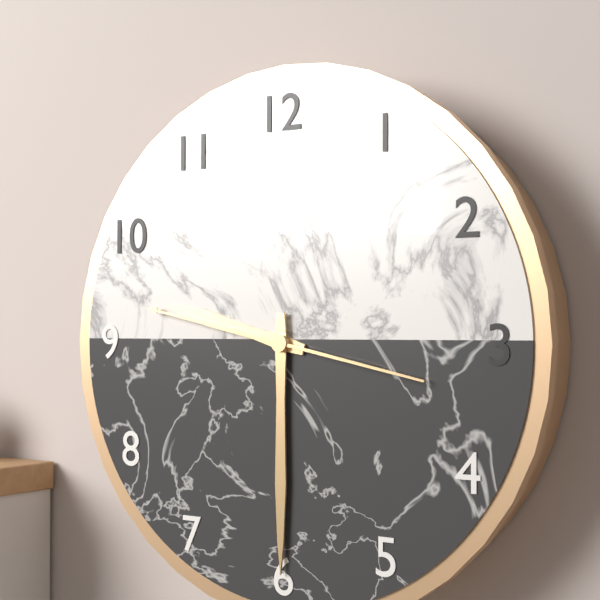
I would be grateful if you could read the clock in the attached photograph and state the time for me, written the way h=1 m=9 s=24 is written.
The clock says h=9 m=30 s=47
